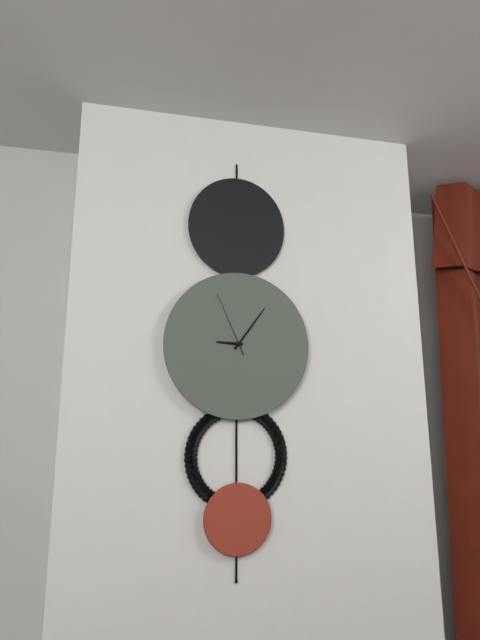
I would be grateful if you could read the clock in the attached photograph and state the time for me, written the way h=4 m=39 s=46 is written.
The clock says h=9 m=6 s=56
